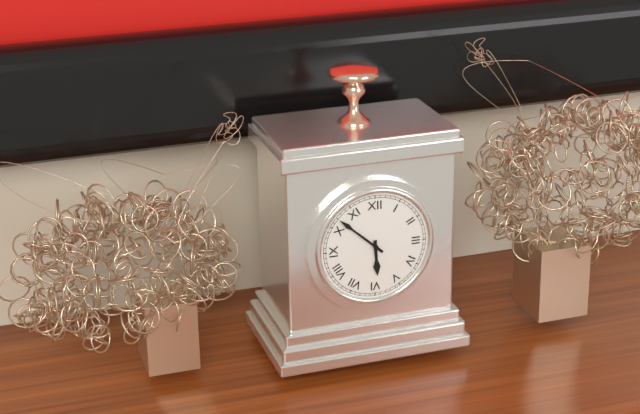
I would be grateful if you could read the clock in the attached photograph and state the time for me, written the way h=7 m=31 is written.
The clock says h=5 m=52
